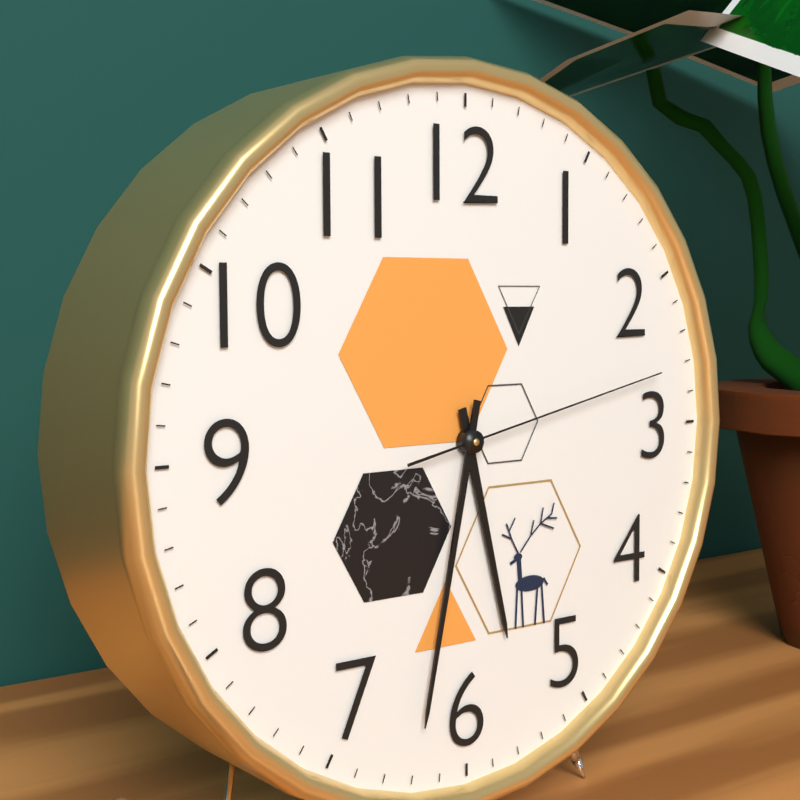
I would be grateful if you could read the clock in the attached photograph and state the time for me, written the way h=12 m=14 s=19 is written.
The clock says h=5 m=32 s=13
